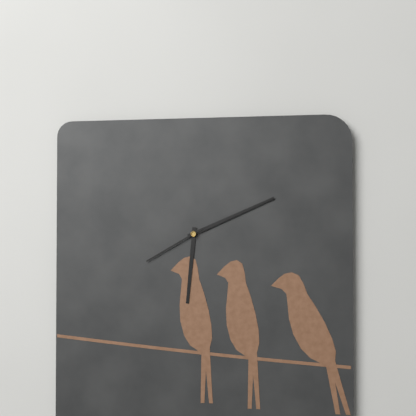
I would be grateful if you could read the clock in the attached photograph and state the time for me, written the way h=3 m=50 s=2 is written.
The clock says h=6 m=11 s=40
